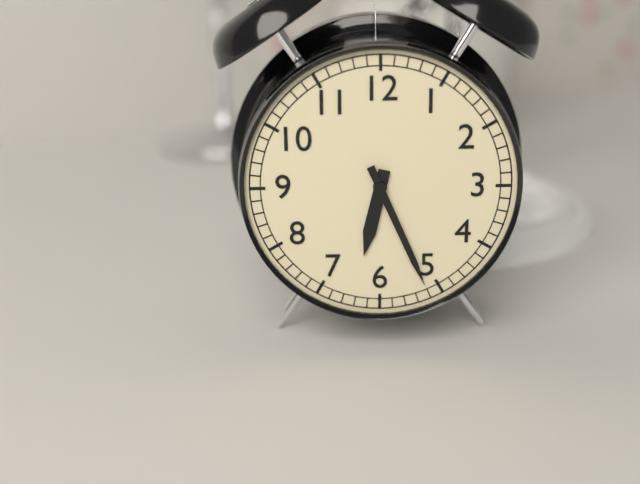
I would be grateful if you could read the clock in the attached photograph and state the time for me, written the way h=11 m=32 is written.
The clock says h=6 m=26
